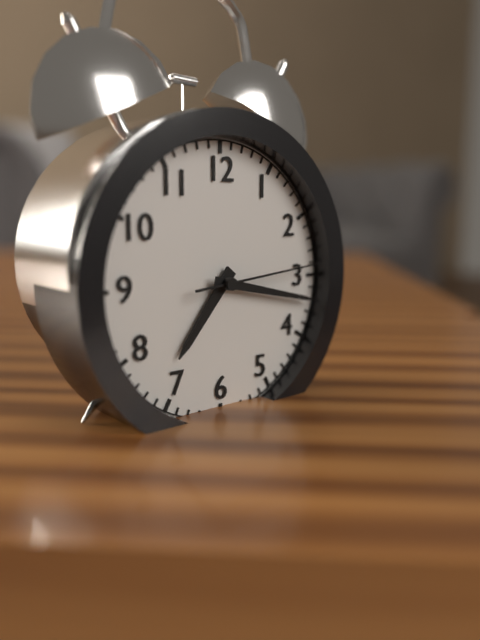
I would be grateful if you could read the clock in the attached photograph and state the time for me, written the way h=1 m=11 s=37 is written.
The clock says h=7 m=17 s=14
